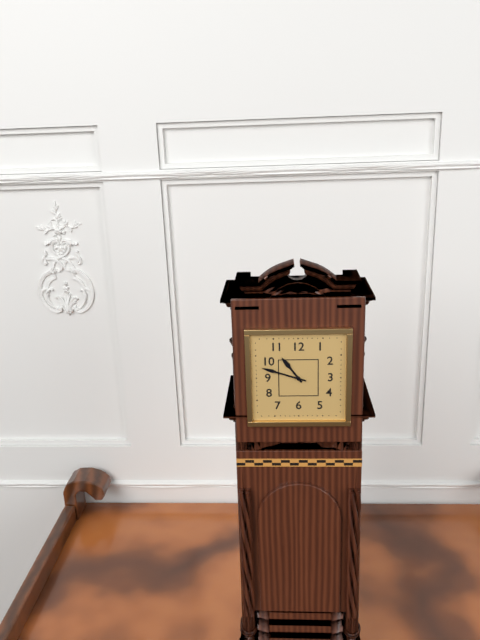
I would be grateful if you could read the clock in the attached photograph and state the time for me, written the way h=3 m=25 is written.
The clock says h=10 m=48
